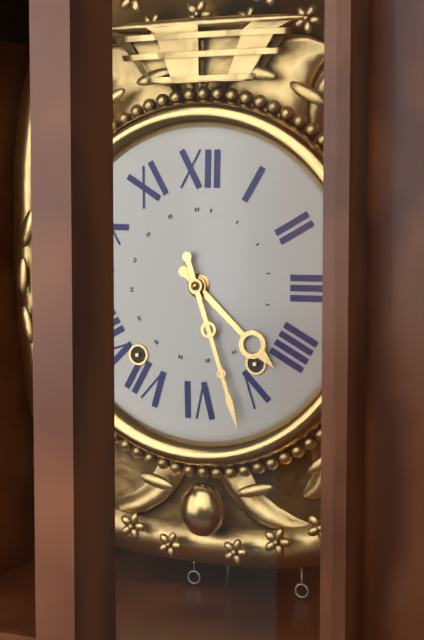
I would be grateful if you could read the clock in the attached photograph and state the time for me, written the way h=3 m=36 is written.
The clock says h=4 m=27
